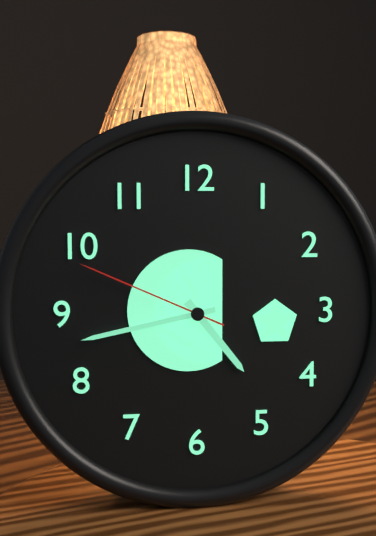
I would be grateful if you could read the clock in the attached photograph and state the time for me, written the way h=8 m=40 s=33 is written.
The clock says h=4 m=43 s=49
